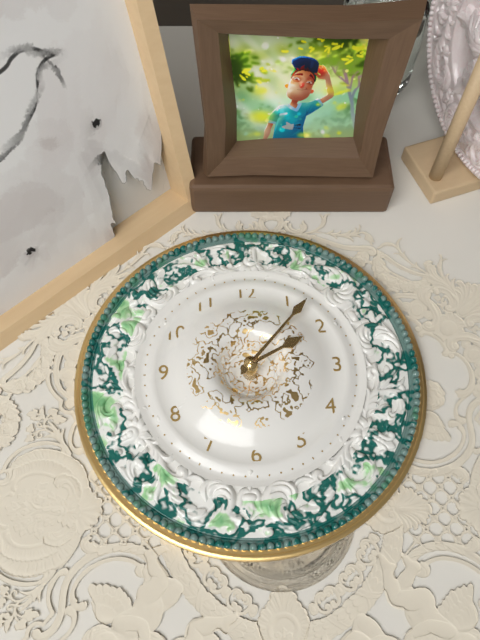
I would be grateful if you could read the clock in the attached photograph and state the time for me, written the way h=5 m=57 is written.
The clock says h=2 m=7
